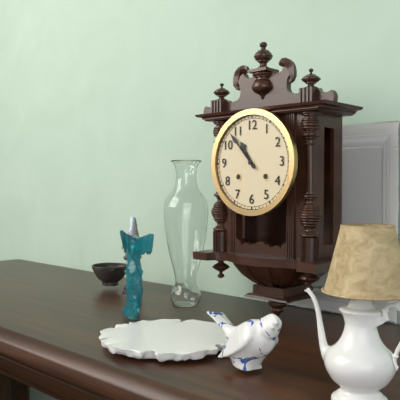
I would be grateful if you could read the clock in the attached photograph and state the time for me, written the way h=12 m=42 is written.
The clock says h=10 m=53
